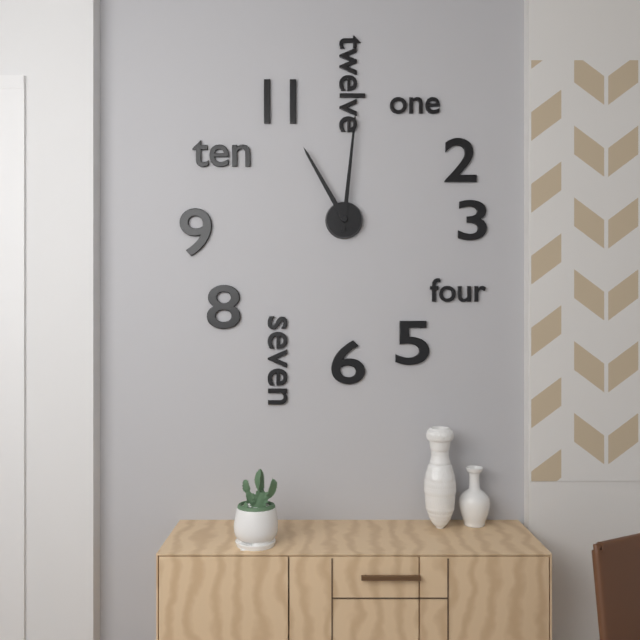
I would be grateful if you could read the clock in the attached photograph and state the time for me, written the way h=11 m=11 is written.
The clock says h=11 m=1
